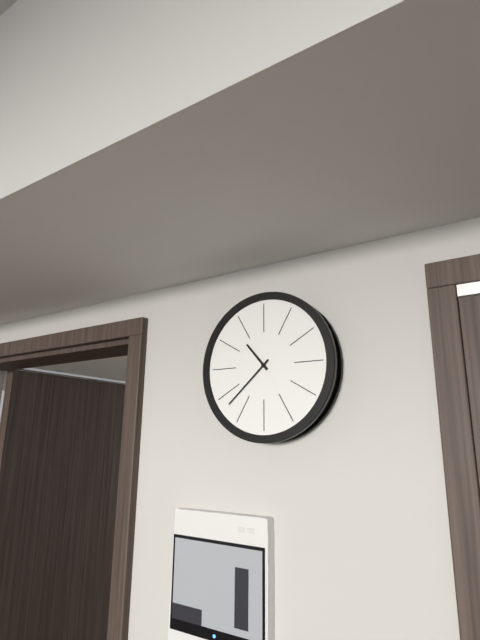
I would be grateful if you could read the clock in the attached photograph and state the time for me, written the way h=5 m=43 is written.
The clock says h=10 m=38
